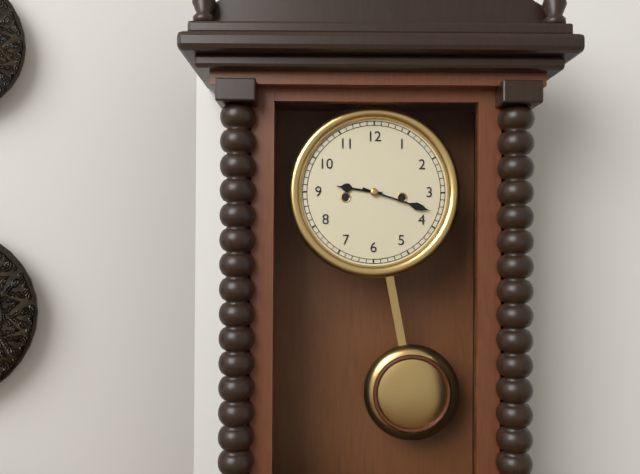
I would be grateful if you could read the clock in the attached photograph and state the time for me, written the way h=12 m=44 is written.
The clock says h=9 m=18
